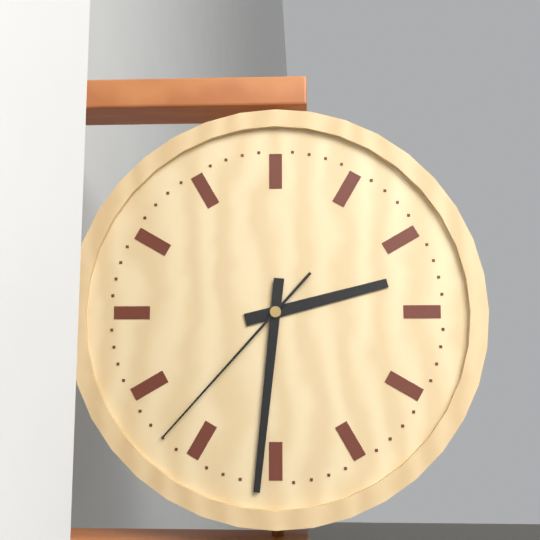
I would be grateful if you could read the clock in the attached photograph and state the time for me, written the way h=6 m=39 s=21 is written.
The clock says h=2 m=31 s=37
